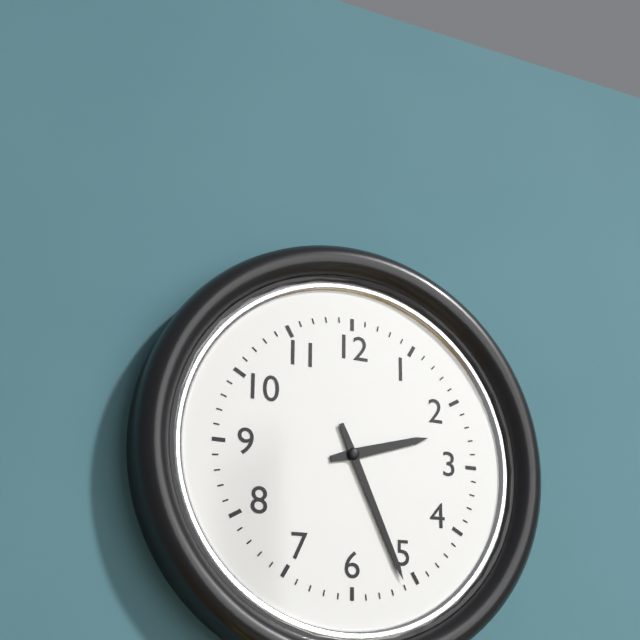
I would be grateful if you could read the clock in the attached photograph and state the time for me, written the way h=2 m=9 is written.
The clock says h=2 m=26
